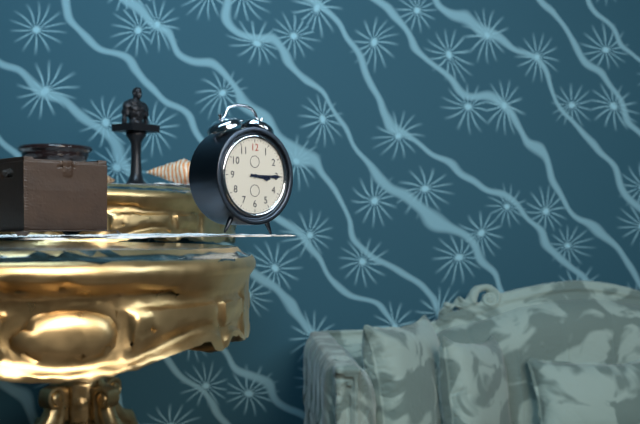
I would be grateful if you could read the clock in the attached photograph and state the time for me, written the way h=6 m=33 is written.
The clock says h=3 m=15
